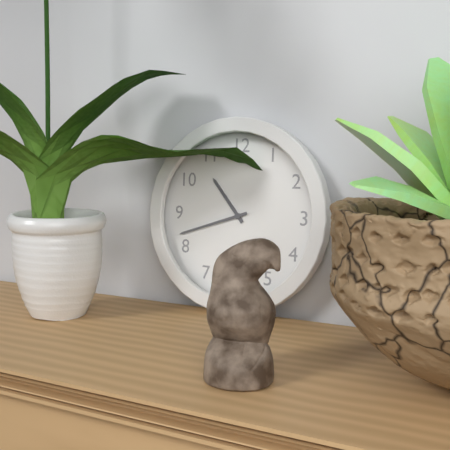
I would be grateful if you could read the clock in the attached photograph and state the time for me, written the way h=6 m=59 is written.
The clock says h=10 m=42
